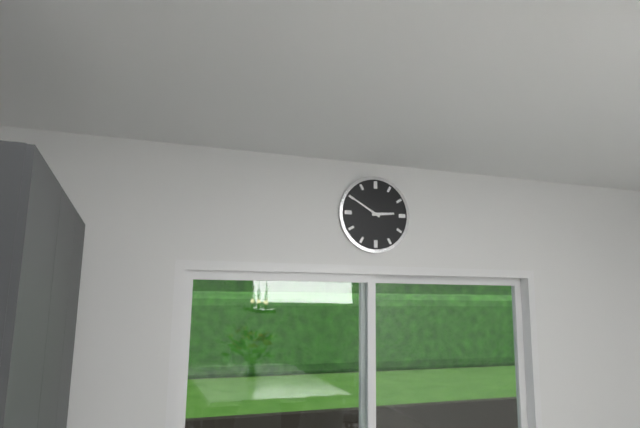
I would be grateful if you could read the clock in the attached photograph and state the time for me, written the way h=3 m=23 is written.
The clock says h=2 m=50
